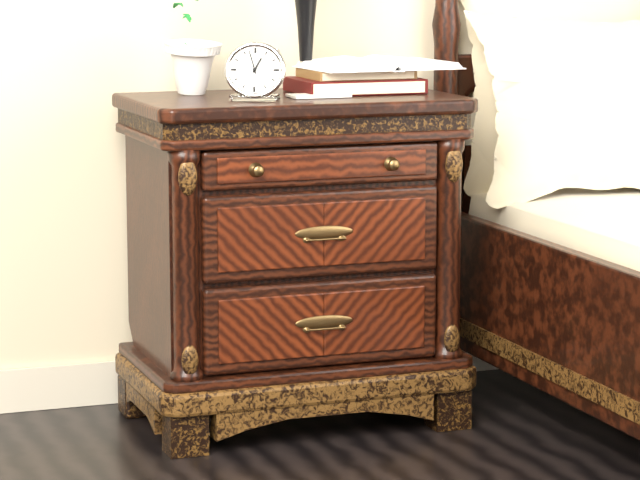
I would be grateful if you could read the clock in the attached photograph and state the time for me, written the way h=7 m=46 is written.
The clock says h=12 m=57
